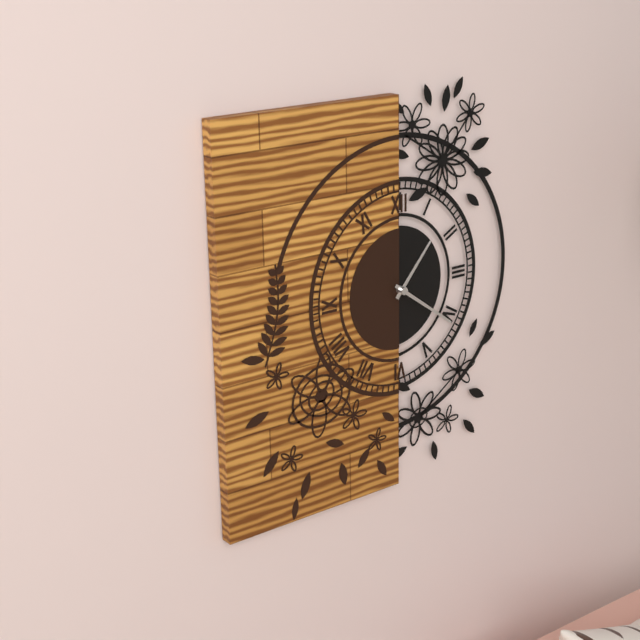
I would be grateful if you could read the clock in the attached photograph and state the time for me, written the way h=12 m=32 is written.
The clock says h=1 m=21
